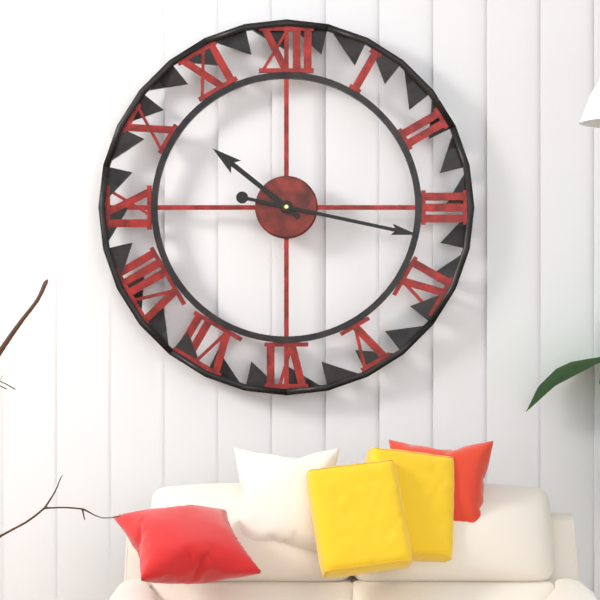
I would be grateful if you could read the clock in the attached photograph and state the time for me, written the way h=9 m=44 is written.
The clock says h=10 m=17
